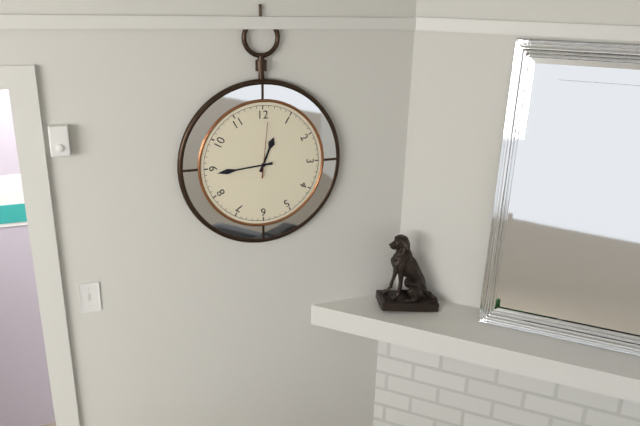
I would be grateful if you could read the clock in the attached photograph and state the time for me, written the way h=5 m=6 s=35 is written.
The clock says h=12 m=44 s=1
